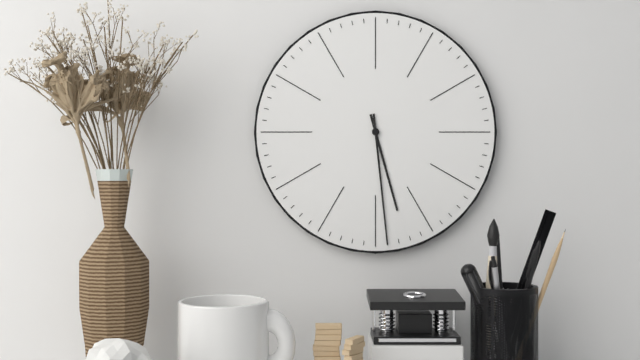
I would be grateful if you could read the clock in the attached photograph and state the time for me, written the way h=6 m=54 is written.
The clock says h=5 m=29
